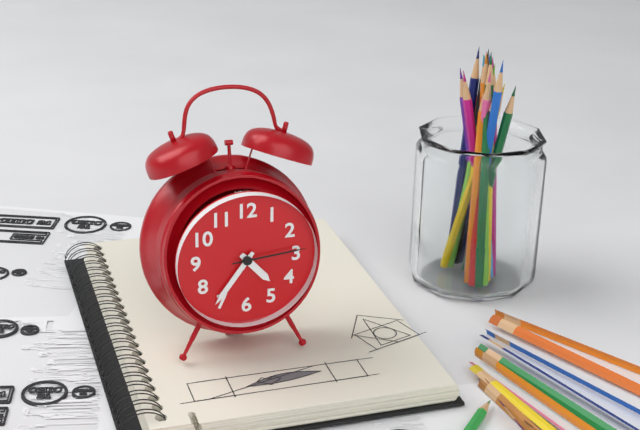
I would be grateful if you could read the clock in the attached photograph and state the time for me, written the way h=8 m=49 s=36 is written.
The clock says h=4 m=36 s=14
